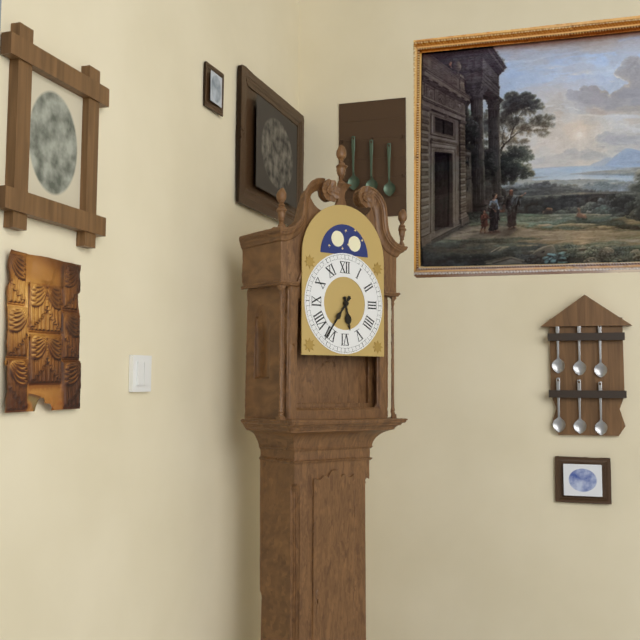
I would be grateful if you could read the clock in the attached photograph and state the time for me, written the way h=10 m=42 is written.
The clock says h=5 m=36
